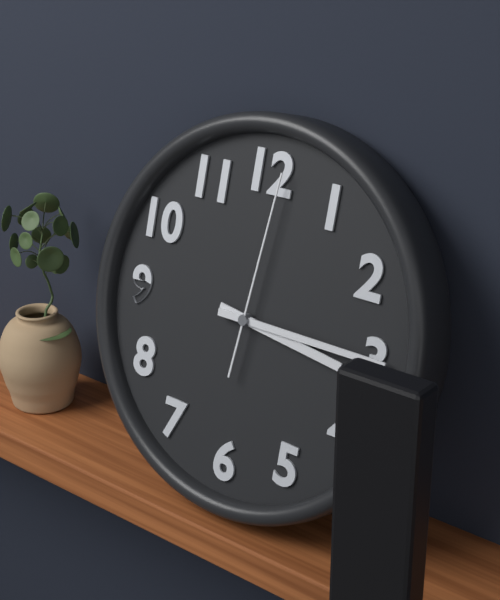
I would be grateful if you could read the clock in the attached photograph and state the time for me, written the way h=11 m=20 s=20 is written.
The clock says h=3 m=15 s=1
